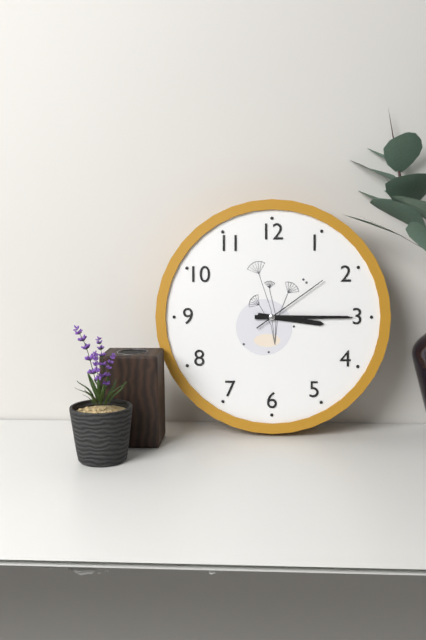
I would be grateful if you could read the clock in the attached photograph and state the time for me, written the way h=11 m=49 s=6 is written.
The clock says h=3 m=15 s=9
